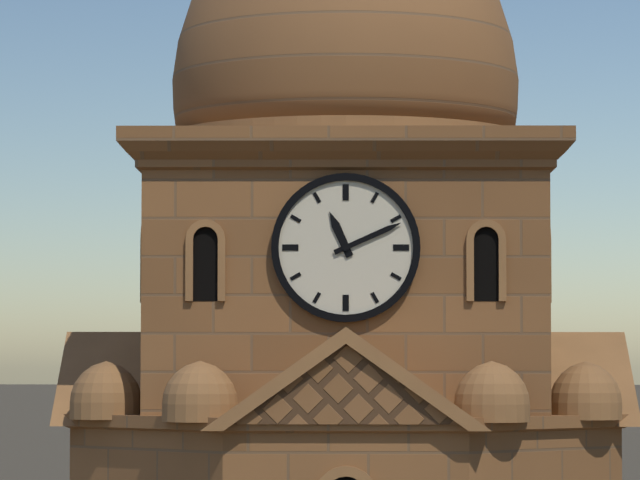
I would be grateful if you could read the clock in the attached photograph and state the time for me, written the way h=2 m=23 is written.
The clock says h=11 m=11
